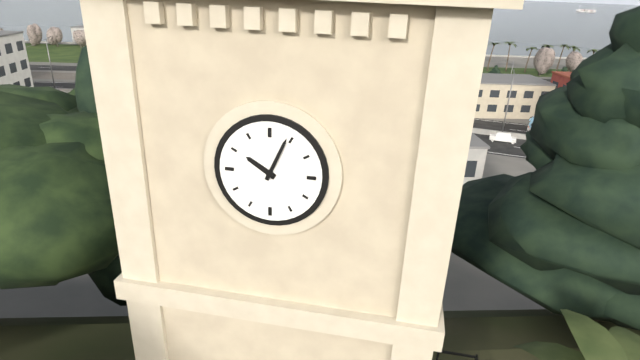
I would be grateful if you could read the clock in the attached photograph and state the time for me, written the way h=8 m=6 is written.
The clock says h=10 m=4
